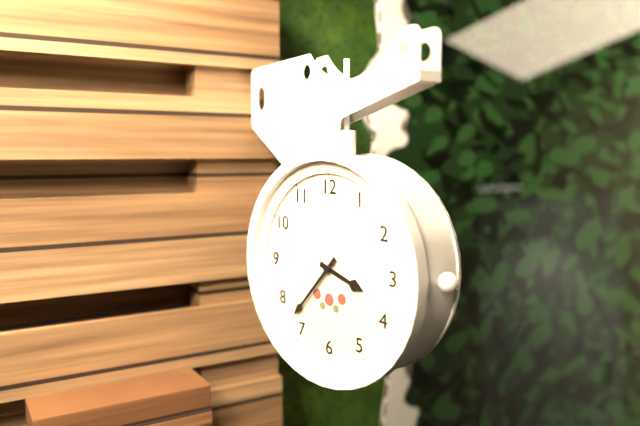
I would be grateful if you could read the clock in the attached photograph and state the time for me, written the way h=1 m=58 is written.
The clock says h=3 m=37
